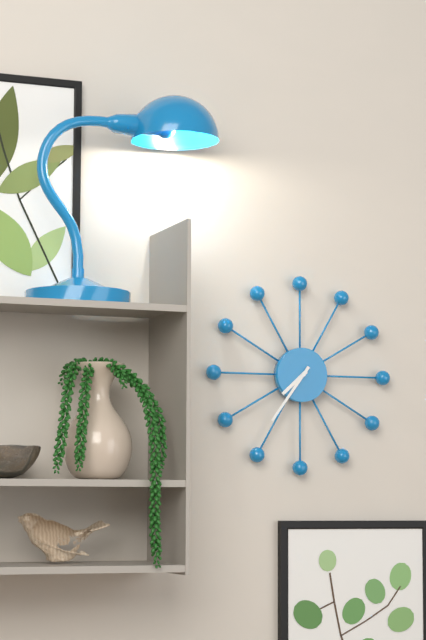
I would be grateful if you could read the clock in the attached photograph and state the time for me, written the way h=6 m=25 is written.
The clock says h=7 m=36
